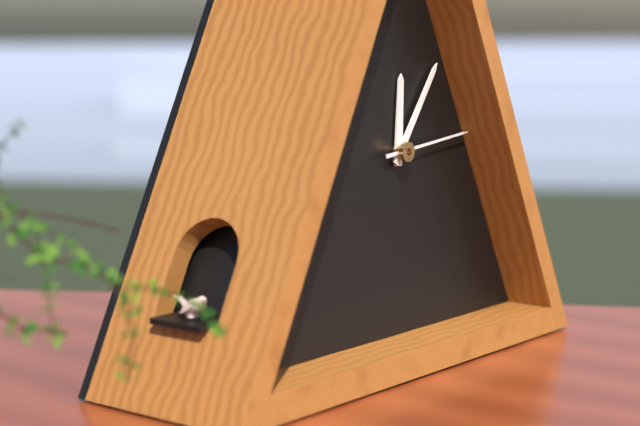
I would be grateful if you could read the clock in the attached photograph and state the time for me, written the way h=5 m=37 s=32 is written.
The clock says h=12 m=6 s=14
